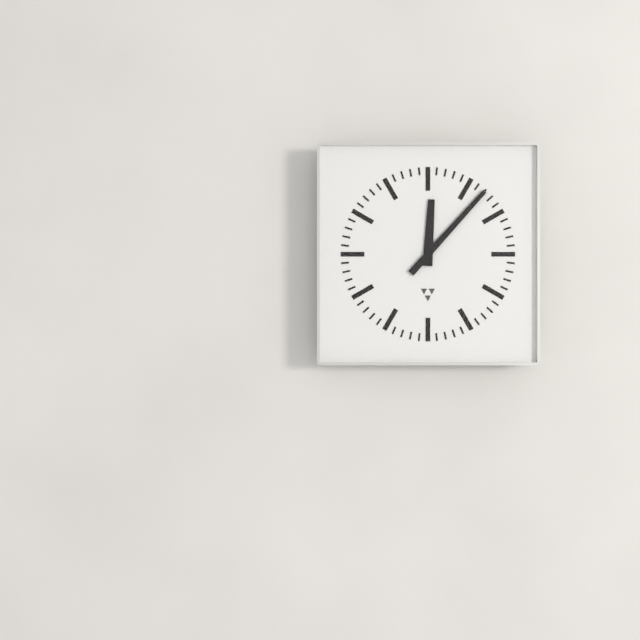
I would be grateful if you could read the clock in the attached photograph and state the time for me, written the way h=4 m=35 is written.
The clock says h=12 m=7
